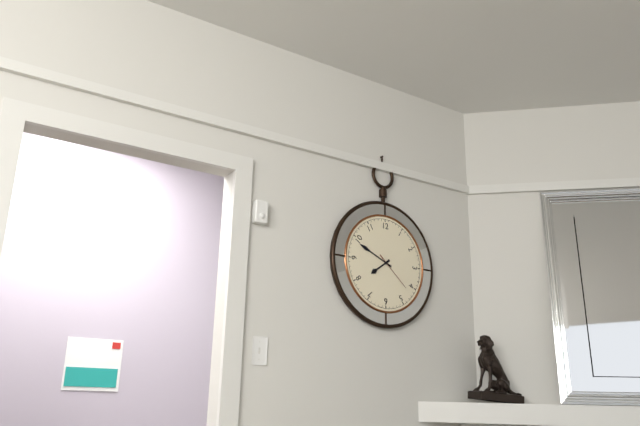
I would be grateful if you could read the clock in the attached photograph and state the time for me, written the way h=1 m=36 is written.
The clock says h=7 m=49
